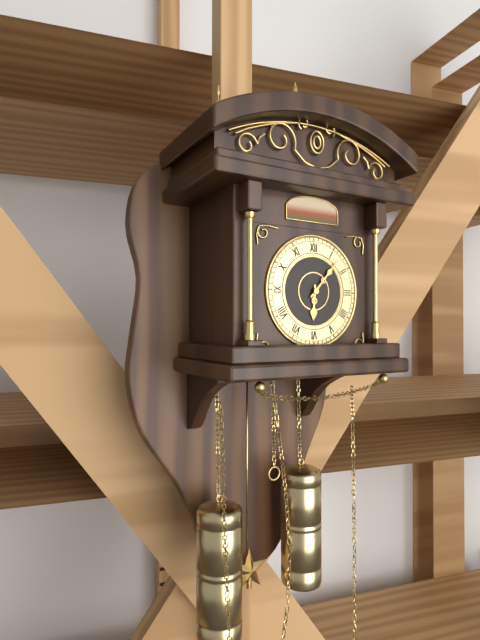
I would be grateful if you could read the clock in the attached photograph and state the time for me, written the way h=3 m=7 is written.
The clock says h=6 m=7
